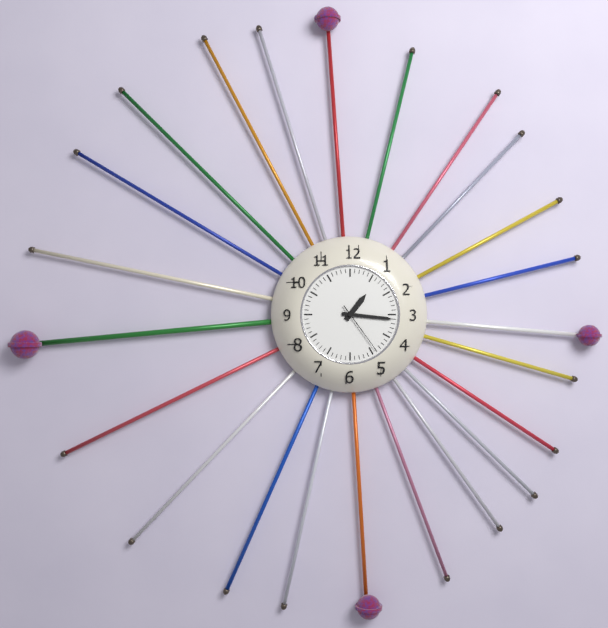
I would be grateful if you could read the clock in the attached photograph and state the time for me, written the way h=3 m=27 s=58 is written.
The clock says h=1 m=16 s=24
